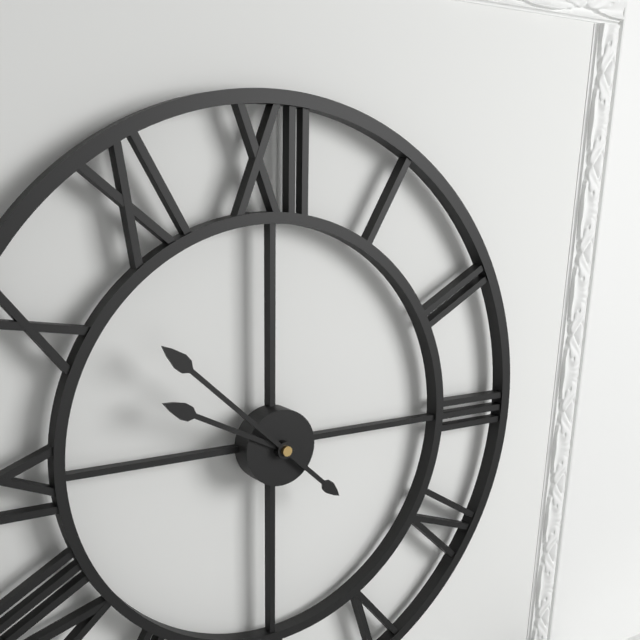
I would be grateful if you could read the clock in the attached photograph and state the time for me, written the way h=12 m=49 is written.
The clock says h=9 m=52
